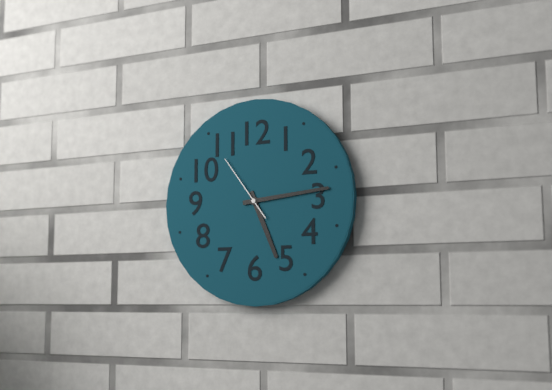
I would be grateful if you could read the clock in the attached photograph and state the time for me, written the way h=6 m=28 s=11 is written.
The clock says h=5 m=14 s=54
